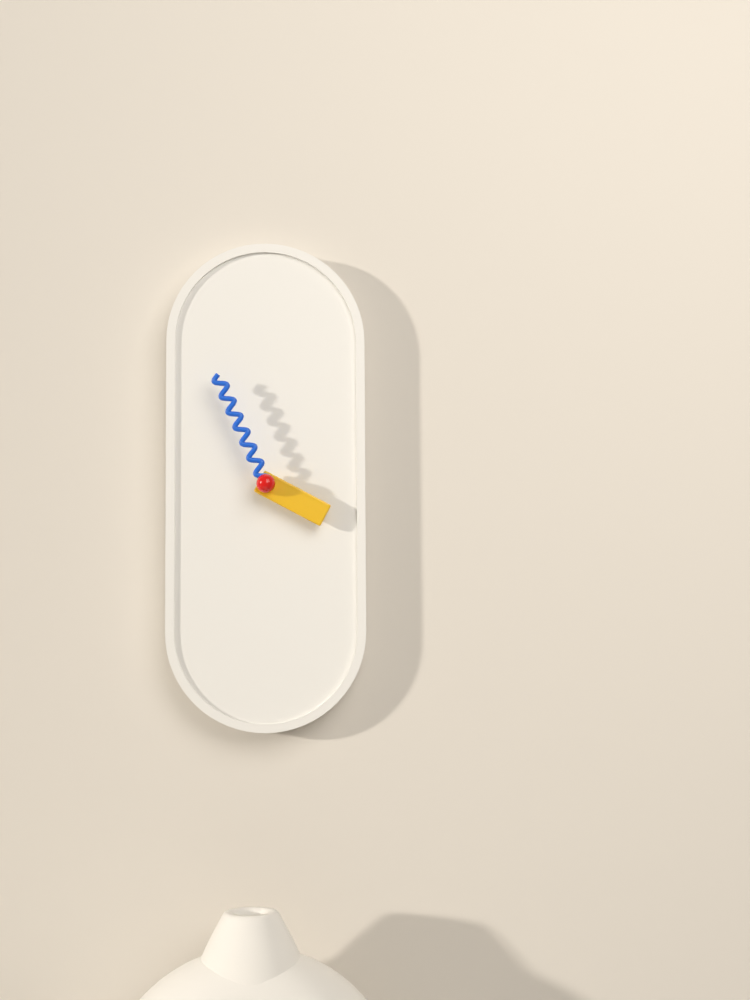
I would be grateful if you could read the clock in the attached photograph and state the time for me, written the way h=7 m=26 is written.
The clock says h=3 m=56
